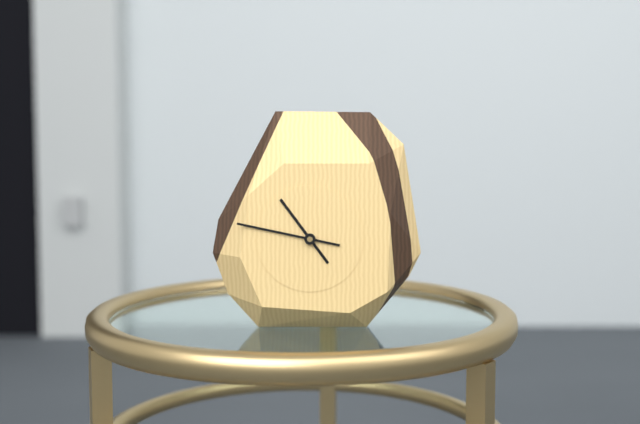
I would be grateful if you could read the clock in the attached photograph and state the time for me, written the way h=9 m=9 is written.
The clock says h=10 m=47
